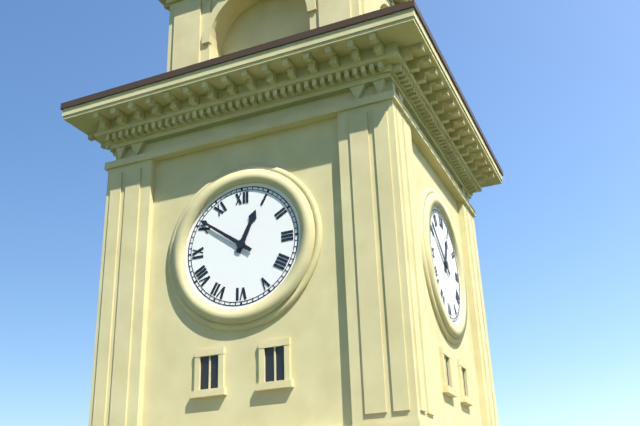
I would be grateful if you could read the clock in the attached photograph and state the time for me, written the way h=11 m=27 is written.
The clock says h=12 m=51
